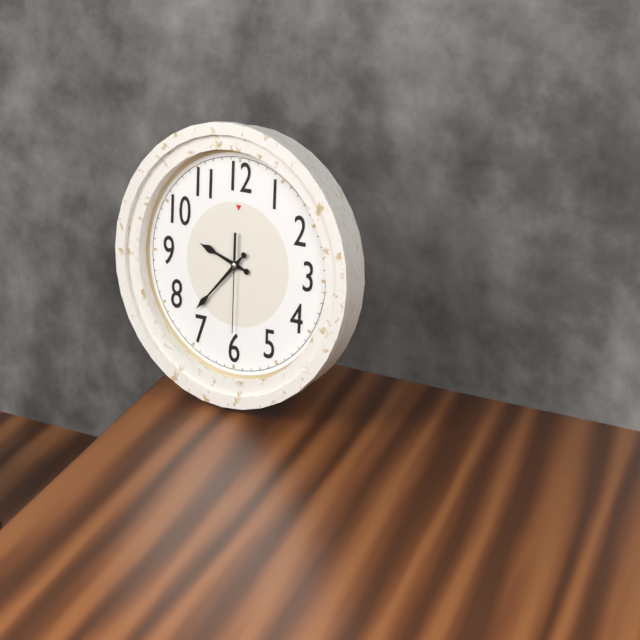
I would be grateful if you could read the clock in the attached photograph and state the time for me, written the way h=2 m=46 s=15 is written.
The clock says h=9 m=37 s=30
